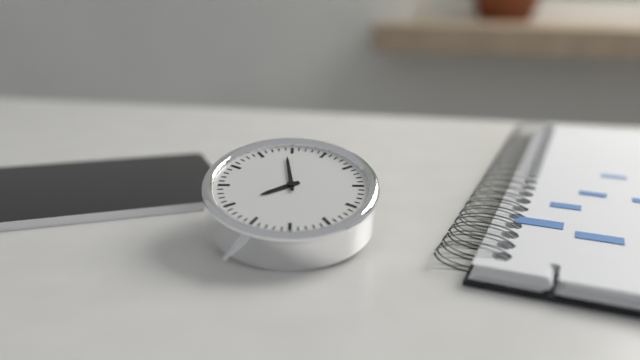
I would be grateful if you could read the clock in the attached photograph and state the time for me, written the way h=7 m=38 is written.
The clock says h=7 m=59
